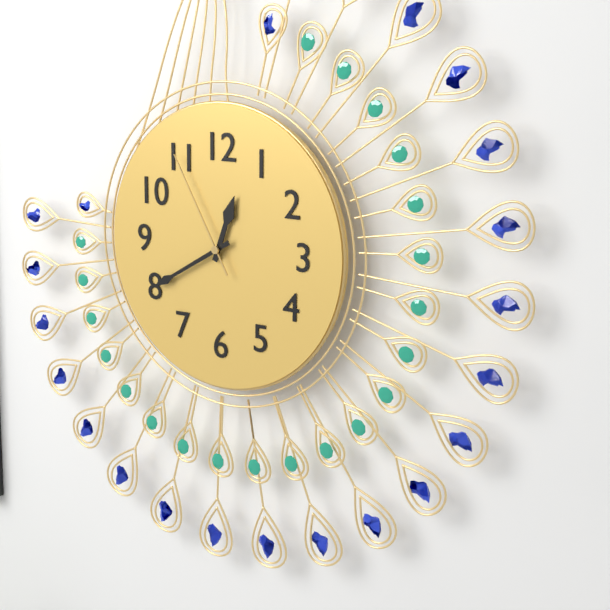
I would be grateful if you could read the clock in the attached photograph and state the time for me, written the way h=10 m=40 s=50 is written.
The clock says h=12 m=40 s=55
